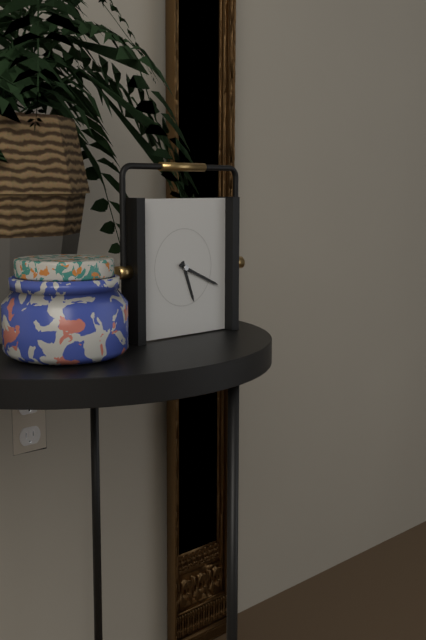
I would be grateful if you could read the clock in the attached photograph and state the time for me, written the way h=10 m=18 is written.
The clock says h=5 m=19
